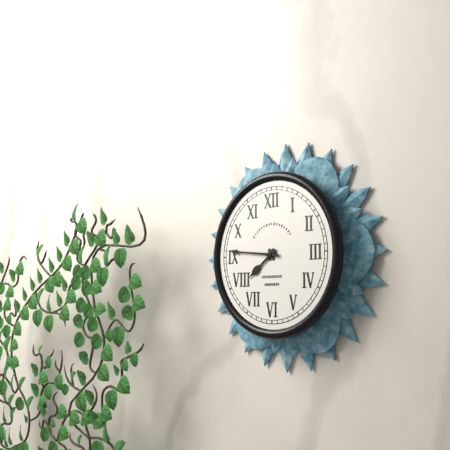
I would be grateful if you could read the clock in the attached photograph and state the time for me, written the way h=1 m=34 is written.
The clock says h=7 m=46
